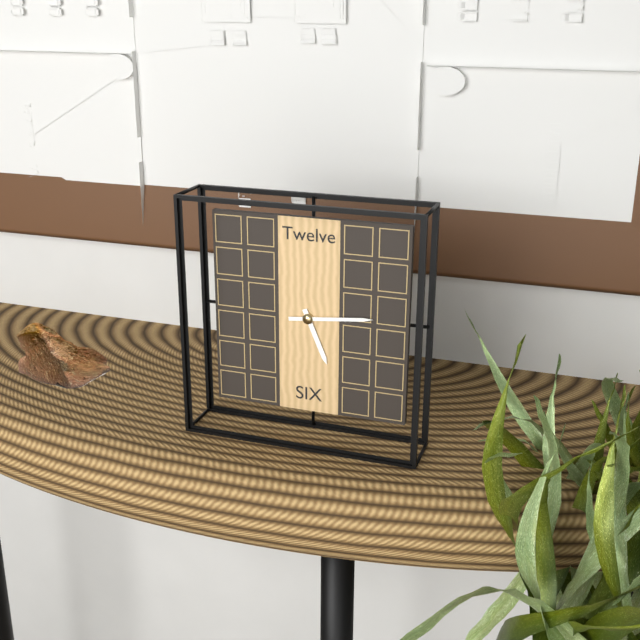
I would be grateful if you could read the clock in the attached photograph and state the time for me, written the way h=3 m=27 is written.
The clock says h=5 m=14
